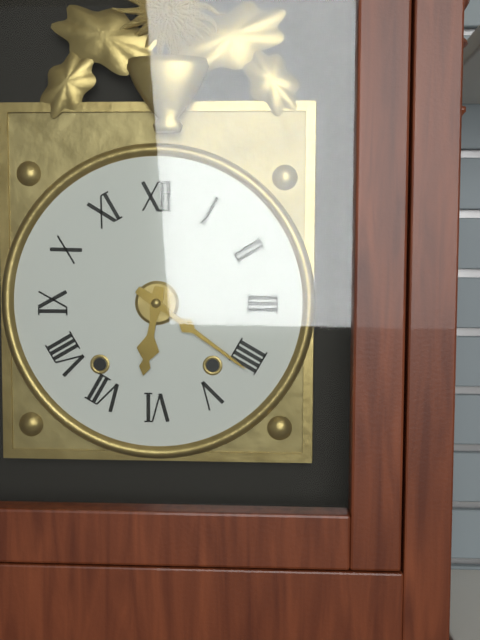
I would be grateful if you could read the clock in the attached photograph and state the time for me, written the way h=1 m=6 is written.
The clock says h=6 m=21
